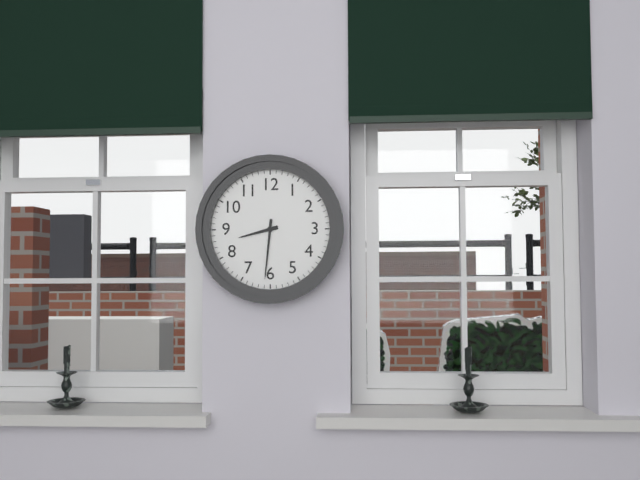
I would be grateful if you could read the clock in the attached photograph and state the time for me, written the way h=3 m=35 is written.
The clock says h=8 m=31
